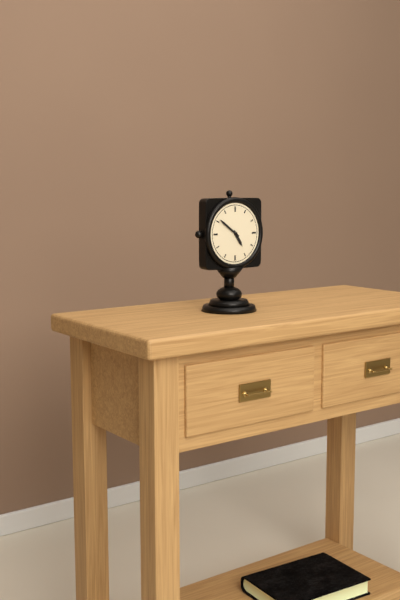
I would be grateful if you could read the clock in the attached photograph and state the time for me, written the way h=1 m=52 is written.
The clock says h=4 m=51
